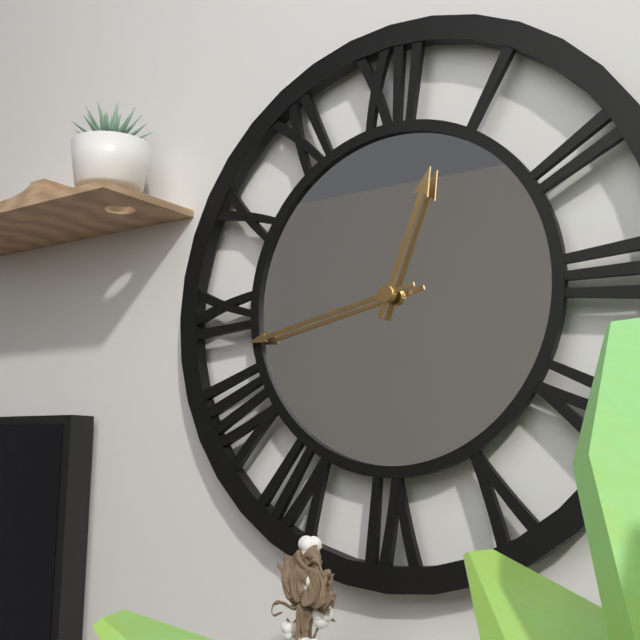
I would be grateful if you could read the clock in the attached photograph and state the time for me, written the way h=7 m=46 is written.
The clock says h=12 m=43
